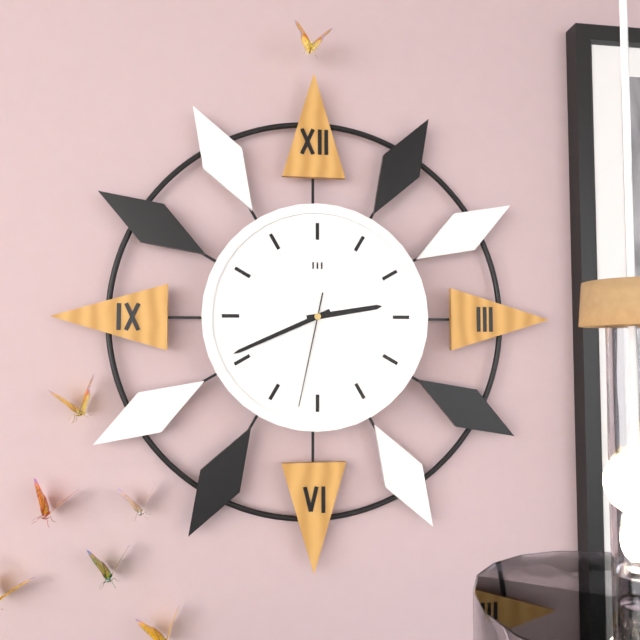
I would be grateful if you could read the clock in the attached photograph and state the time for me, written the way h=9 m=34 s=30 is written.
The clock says h=2 m=41 s=32
